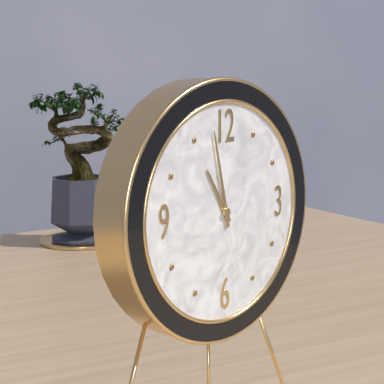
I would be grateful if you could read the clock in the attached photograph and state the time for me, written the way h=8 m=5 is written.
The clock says h=10 m=58
